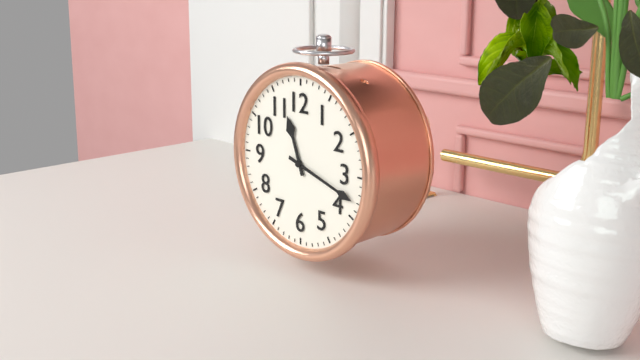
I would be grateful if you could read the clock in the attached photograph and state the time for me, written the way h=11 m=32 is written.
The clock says h=11 m=18
